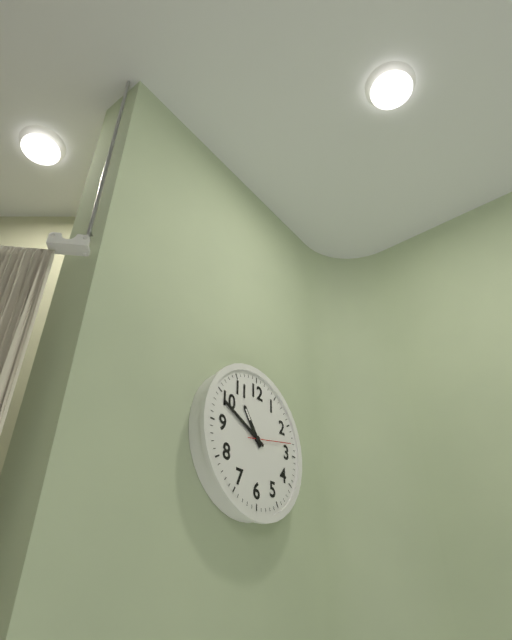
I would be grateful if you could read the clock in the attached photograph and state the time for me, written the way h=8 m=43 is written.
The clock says h=10 m=49
